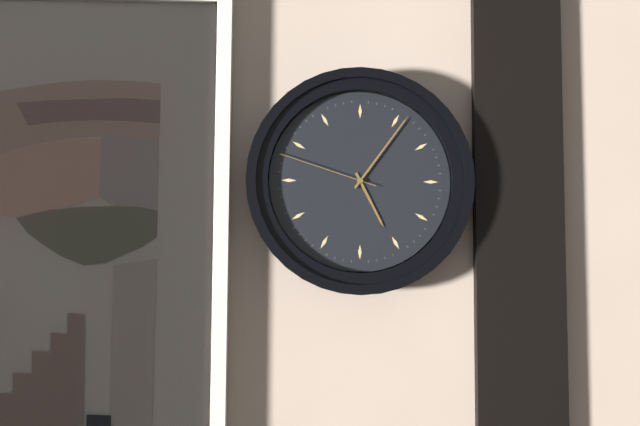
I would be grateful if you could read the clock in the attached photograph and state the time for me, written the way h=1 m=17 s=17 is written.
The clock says h=5 m=6 s=48
